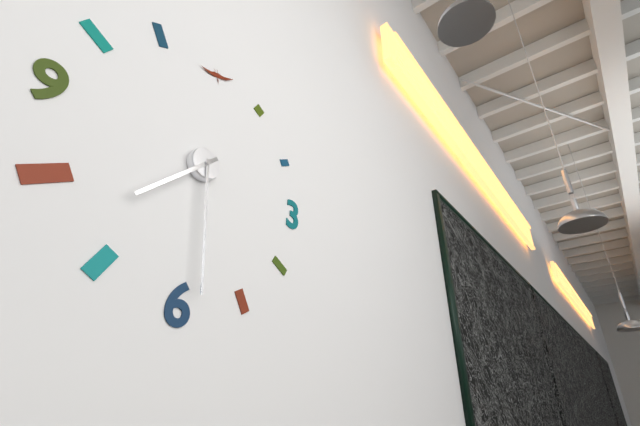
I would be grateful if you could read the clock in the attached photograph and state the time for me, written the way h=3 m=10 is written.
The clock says h=7 m=29
